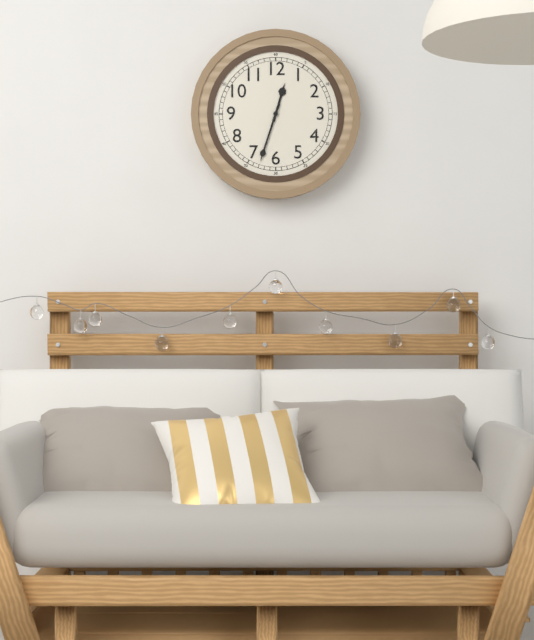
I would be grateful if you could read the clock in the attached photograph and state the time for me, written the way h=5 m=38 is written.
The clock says h=12 m=33
